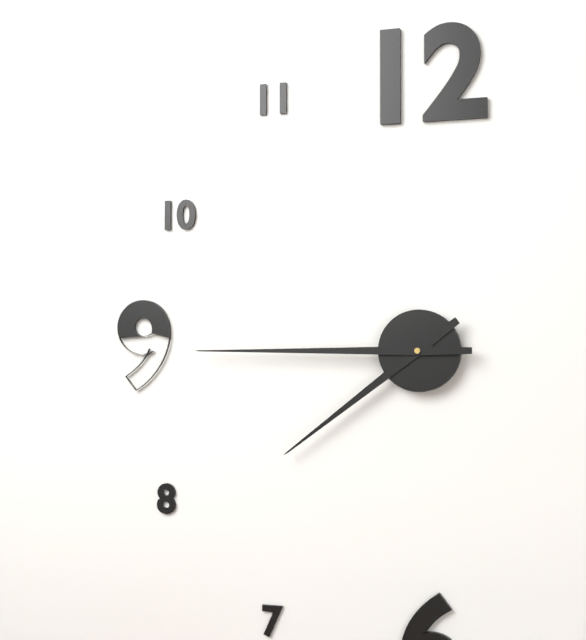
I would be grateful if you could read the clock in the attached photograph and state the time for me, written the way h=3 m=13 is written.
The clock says h=7 m=45
